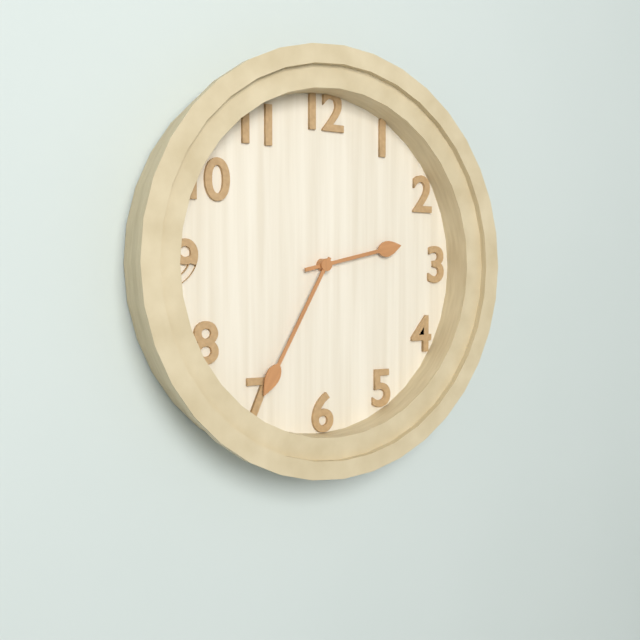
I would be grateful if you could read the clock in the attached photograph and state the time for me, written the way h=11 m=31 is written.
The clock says h=2 m=35
